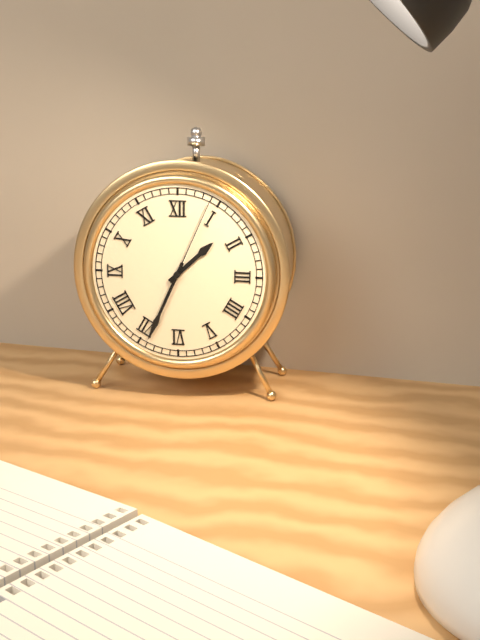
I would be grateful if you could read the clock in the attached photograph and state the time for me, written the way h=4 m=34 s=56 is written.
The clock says h=1 m=34 s=4
